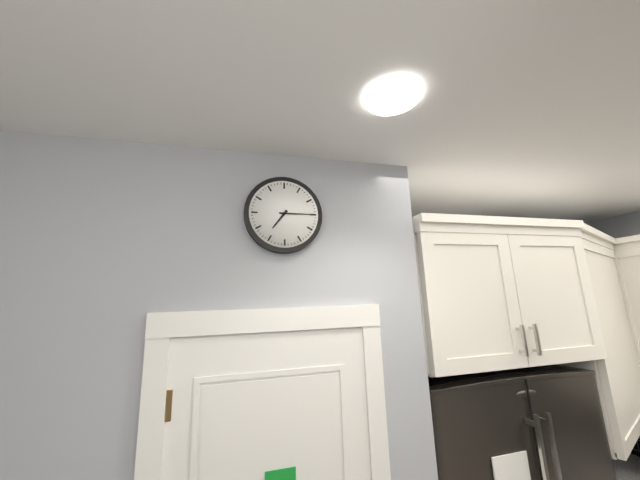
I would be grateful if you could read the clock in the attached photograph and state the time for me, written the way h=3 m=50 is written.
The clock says h=7 m=15
